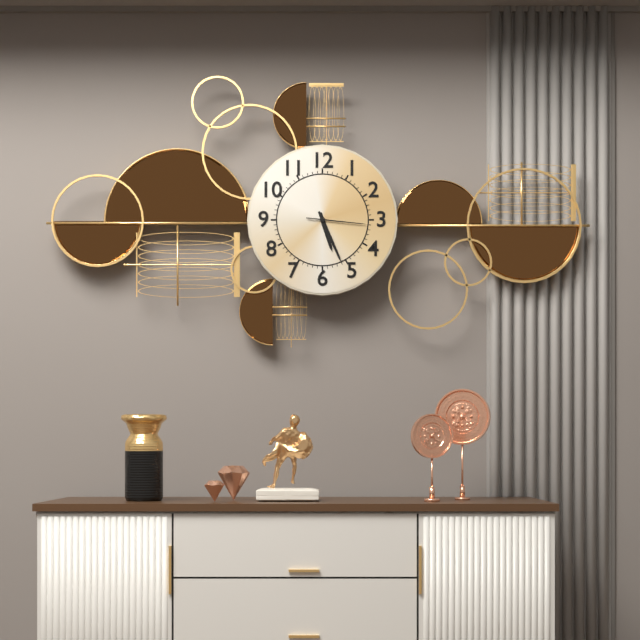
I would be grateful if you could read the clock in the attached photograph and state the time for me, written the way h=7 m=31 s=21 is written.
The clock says h=5 m=26 s=16
